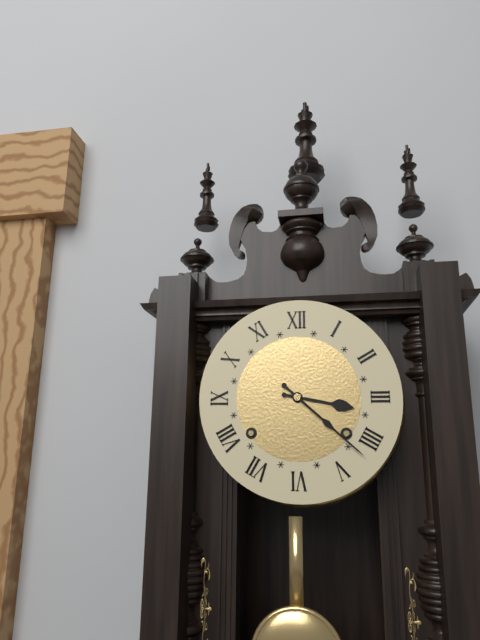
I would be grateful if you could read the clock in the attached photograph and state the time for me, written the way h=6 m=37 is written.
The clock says h=3 m=22
